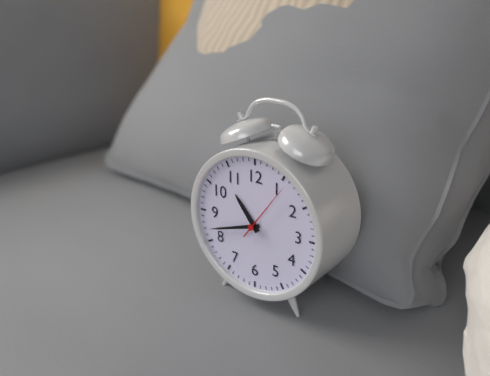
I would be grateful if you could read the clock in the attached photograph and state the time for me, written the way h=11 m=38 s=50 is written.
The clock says h=10 m=42 s=6
